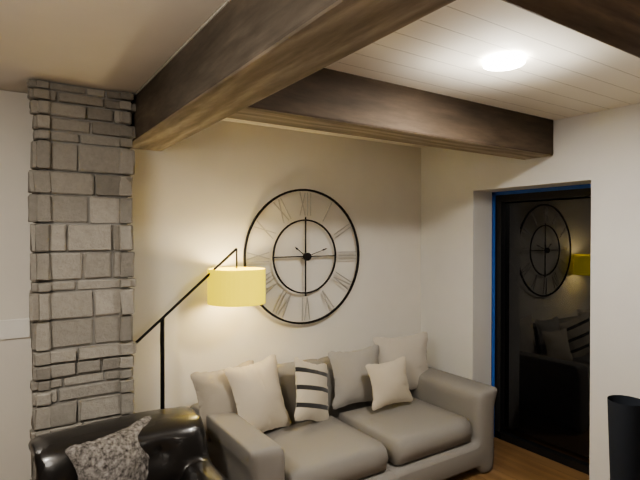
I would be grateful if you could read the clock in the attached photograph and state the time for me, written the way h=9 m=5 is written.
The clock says h=10 m=12
